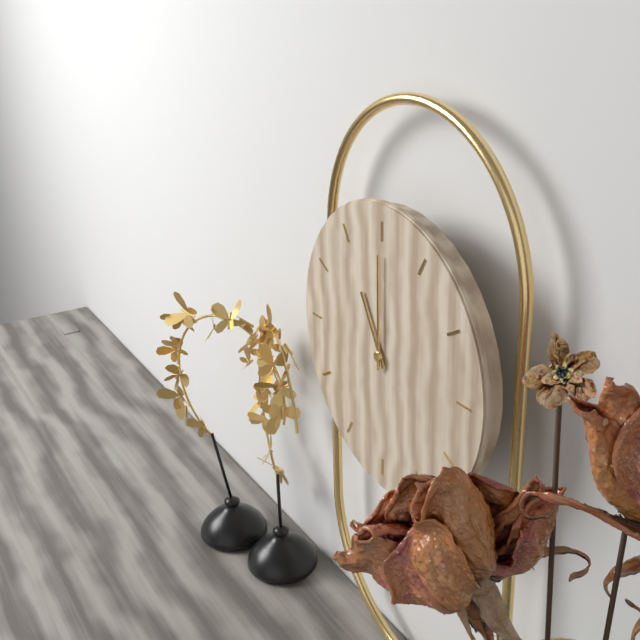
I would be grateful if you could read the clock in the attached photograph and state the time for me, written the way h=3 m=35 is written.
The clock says h=11 m=0
